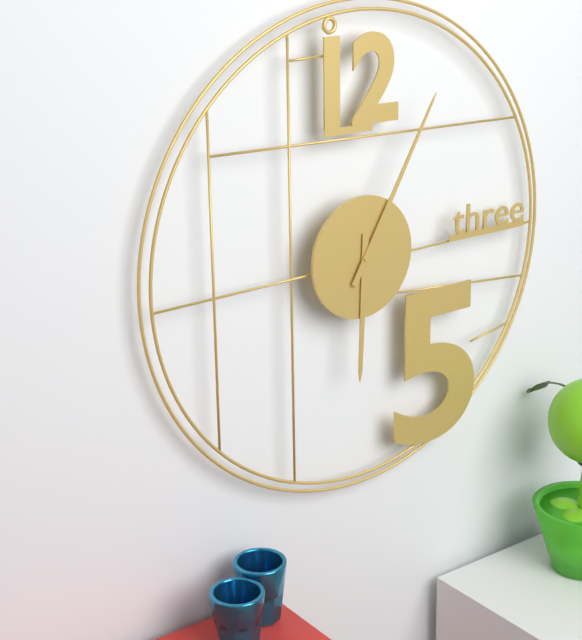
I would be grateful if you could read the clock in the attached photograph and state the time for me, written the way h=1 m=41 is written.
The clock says h=6 m=5
